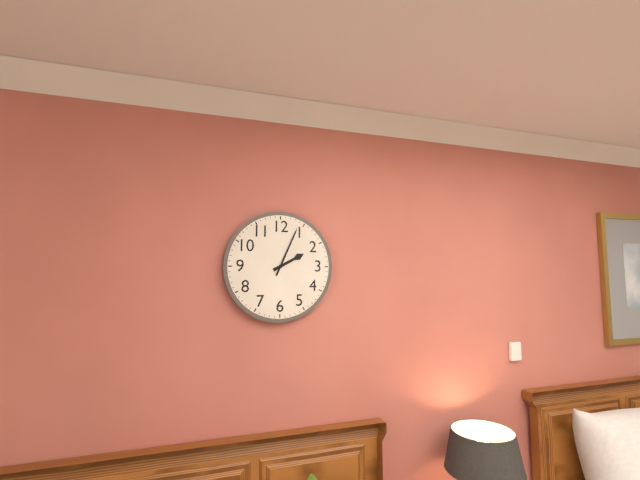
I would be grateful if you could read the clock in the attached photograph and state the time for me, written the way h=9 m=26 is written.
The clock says h=2 m=4
